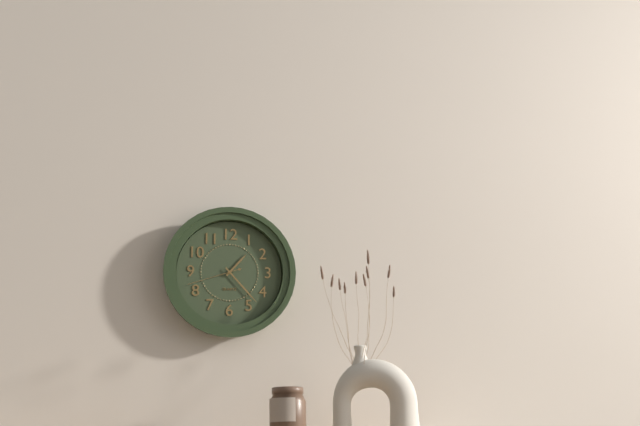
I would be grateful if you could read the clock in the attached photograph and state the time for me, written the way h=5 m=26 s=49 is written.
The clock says h=1 m=23 s=42
